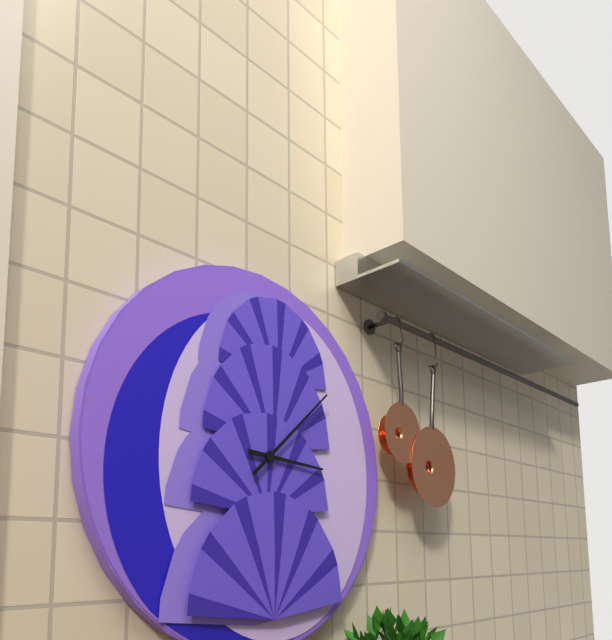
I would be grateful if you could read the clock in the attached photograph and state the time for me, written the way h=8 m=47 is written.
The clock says h=3 m=8
